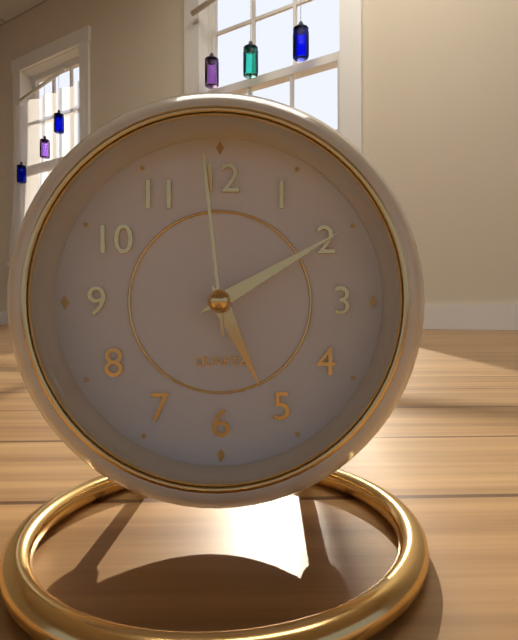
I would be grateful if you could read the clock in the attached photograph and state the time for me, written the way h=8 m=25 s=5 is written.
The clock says h=5 m=10 s=59
